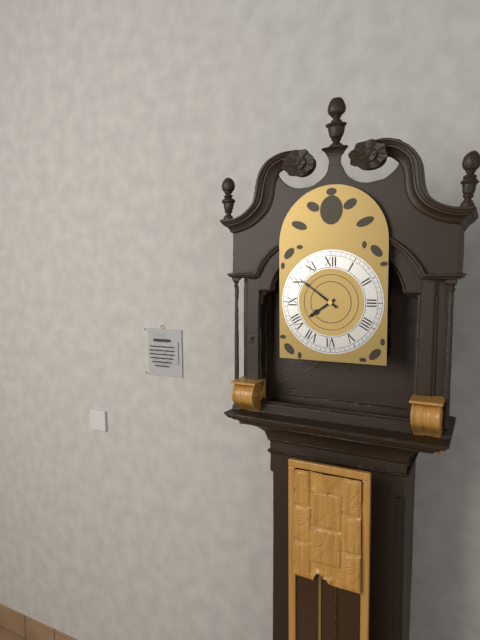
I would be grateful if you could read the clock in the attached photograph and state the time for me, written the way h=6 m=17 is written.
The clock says h=7 m=51
